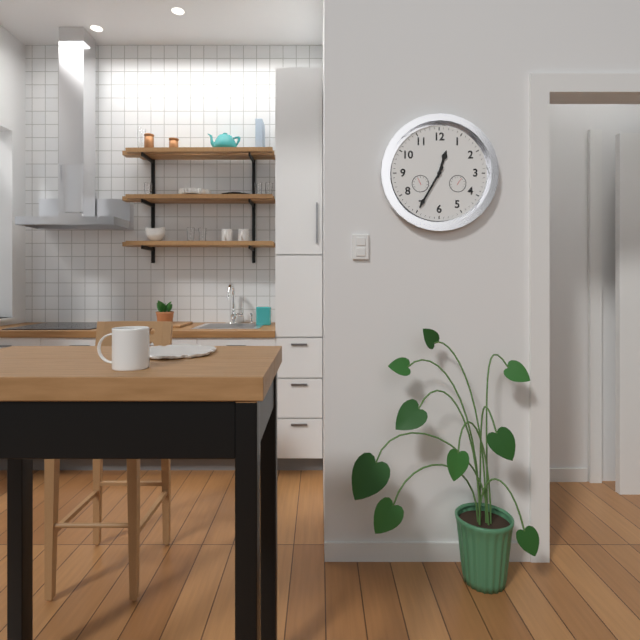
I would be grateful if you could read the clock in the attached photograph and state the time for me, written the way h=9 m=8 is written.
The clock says h=12 m=35
